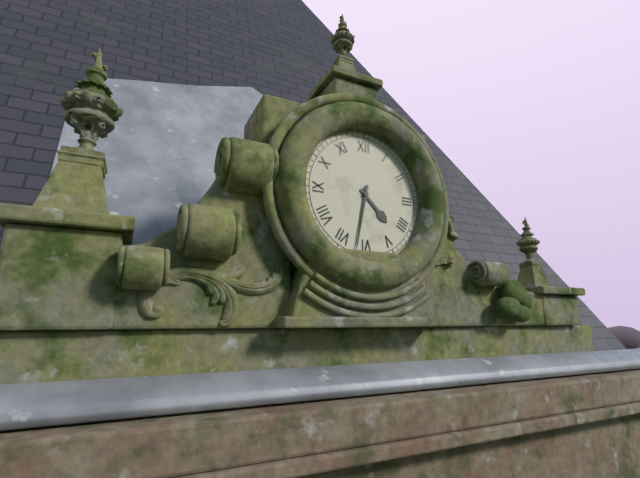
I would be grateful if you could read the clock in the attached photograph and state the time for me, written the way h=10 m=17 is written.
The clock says h=4 m=32
